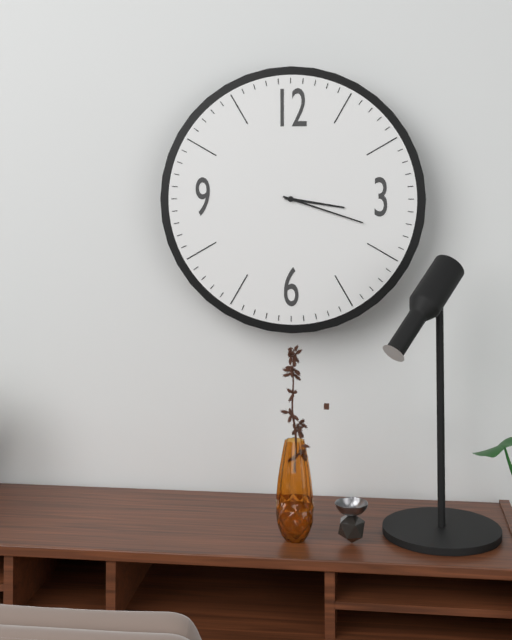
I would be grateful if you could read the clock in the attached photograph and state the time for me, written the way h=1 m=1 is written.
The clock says h=3 m=18
